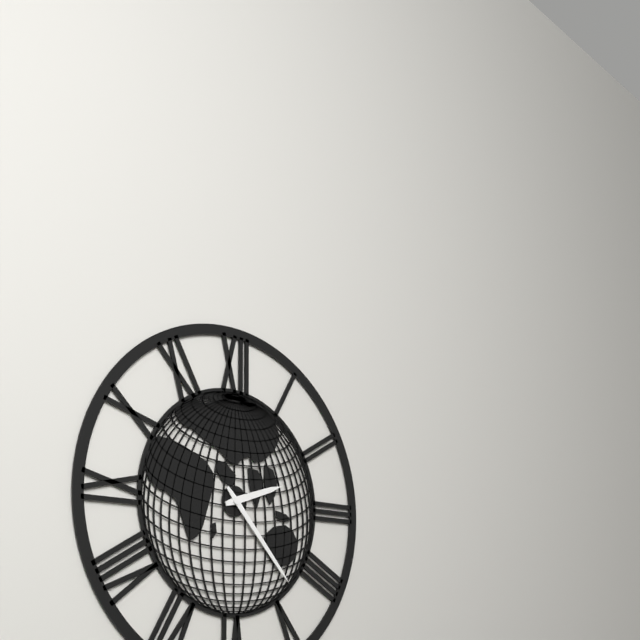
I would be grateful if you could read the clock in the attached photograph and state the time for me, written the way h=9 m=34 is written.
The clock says h=2 m=23
